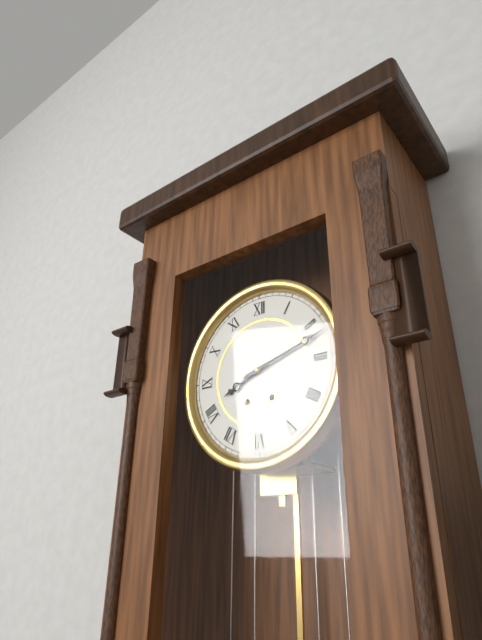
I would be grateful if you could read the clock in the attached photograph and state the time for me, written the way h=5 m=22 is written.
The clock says h=8 m=12
